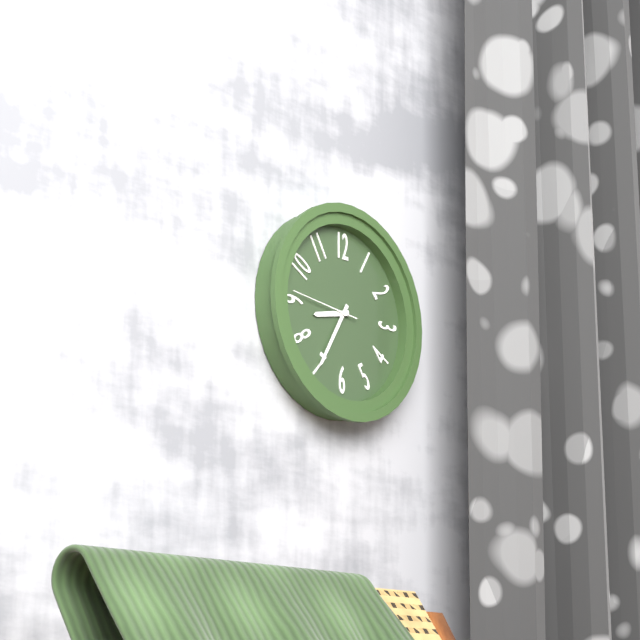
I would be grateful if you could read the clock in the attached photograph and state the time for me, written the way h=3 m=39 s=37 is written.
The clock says h=8 m=35 s=46
